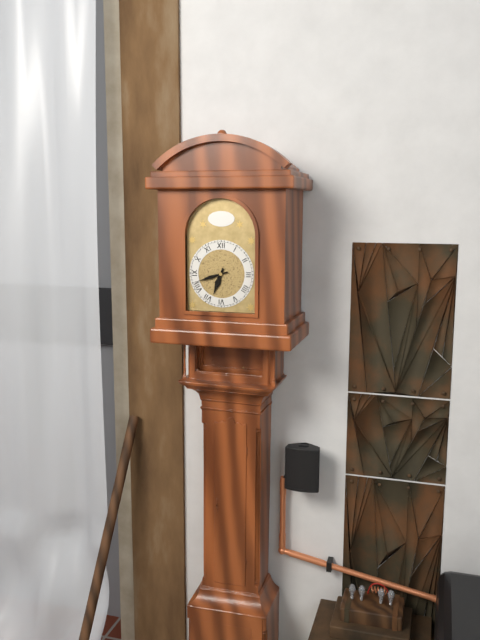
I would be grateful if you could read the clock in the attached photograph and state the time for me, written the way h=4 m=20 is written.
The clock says h=6 m=42
